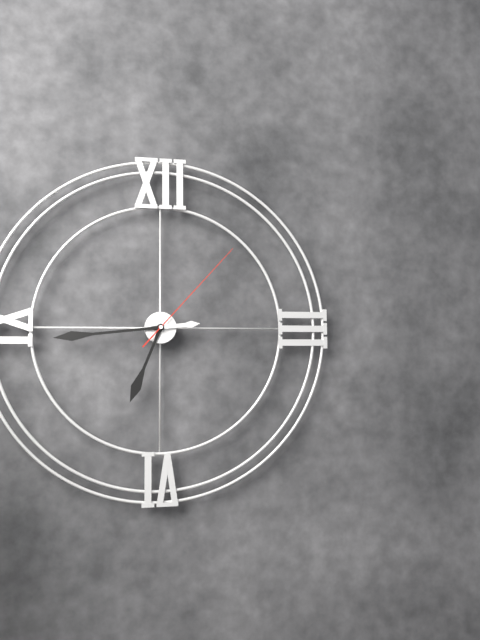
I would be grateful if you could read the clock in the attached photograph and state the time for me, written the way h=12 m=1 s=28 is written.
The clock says h=6 m=44 s=7
